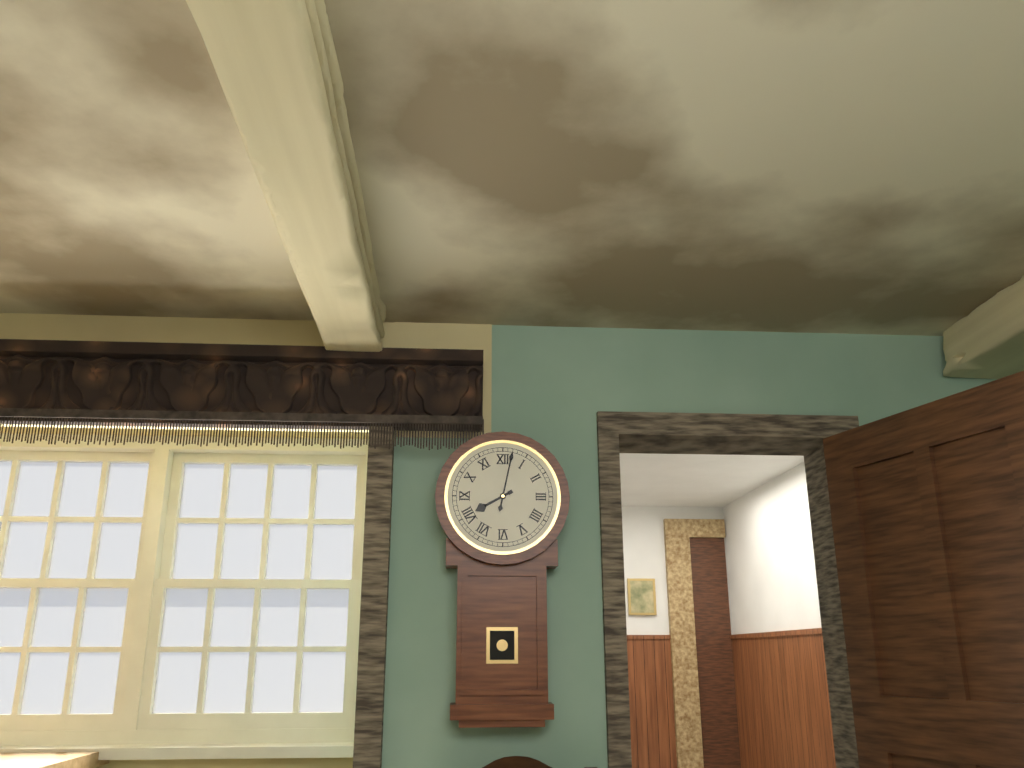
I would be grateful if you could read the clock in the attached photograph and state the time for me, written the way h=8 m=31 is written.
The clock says h=8 m=2
